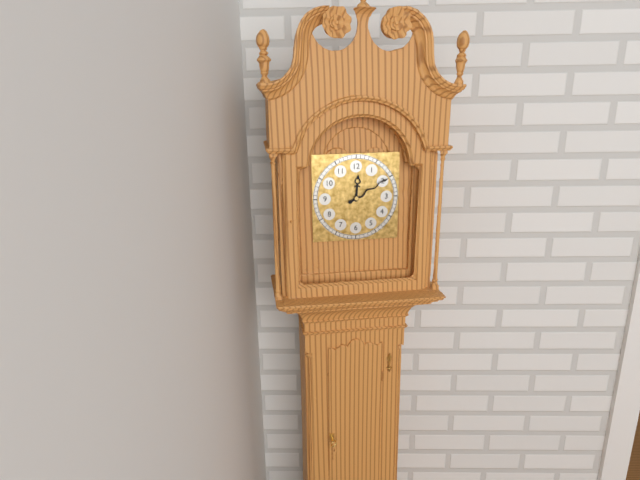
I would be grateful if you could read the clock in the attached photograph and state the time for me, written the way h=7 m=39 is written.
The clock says h=12 m=10
